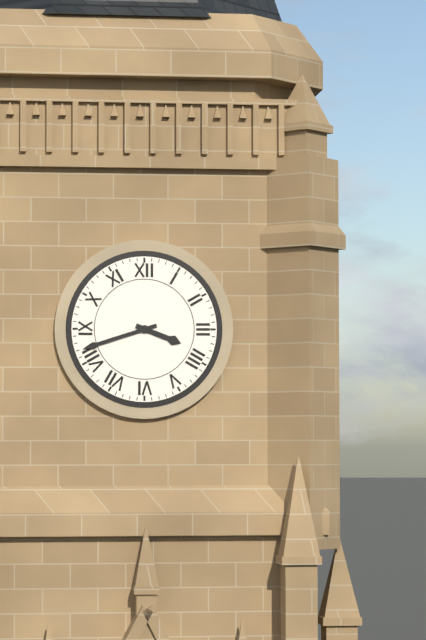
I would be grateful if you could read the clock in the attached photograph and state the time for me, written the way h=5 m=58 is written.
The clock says h=3 m=42
